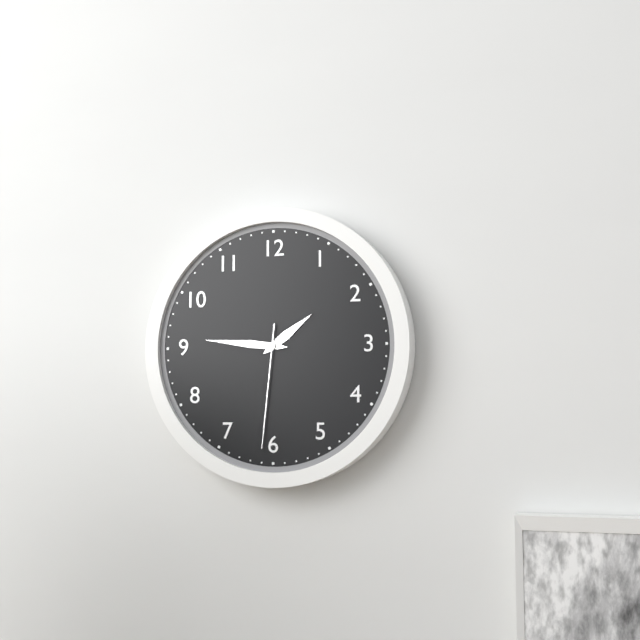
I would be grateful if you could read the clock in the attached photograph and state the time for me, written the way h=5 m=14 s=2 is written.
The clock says h=1 m=46 s=31
